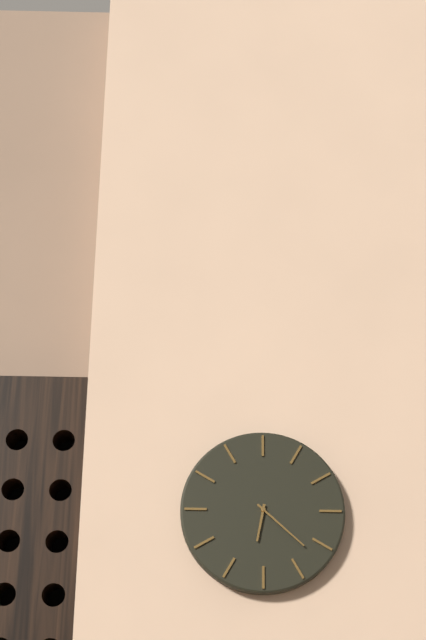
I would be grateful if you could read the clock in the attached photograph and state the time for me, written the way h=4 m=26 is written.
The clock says h=6 m=22
